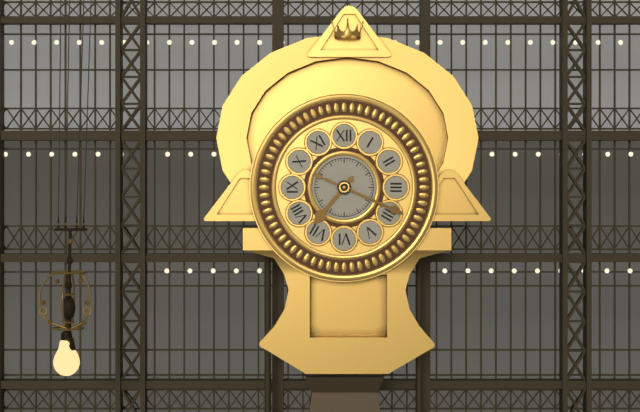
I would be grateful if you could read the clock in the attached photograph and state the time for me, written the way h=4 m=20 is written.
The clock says h=7 m=19
